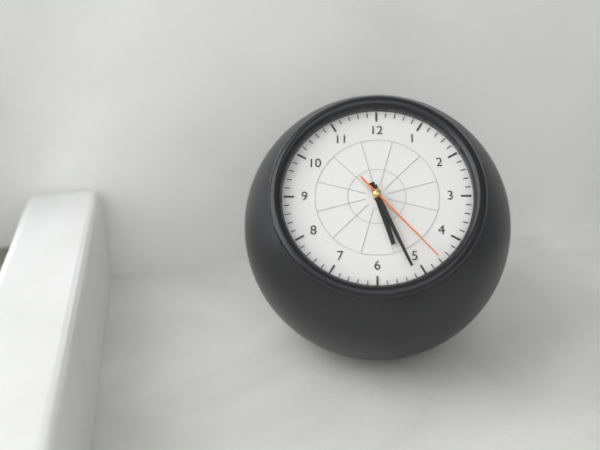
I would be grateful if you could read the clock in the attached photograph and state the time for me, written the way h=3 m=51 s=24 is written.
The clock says h=5 m=26 s=23
